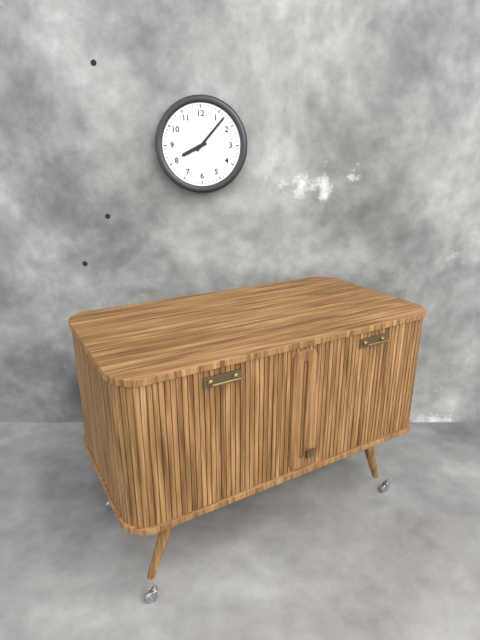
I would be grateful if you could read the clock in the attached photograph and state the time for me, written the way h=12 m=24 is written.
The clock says h=8 m=7
